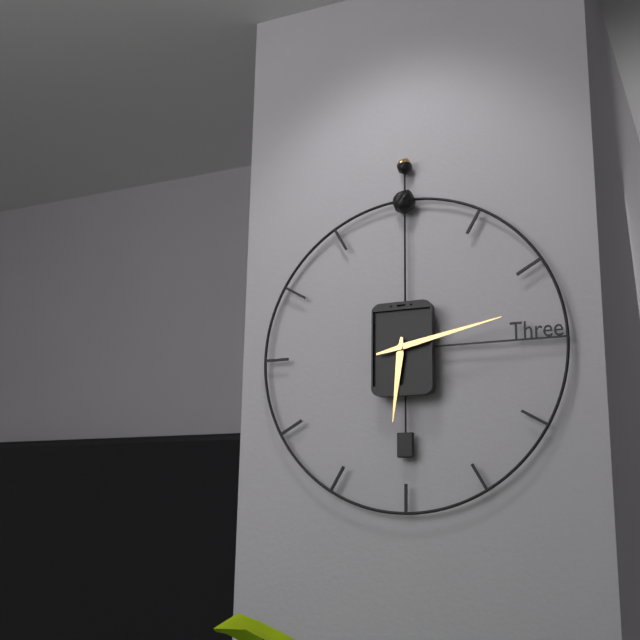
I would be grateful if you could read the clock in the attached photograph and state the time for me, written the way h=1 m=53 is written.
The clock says h=6 m=13
